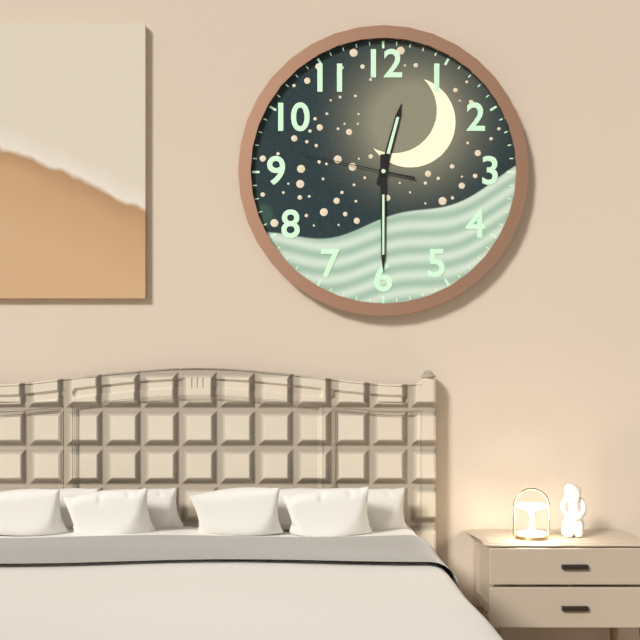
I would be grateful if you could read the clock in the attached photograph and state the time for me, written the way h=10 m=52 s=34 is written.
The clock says h=12 m=30 s=47
